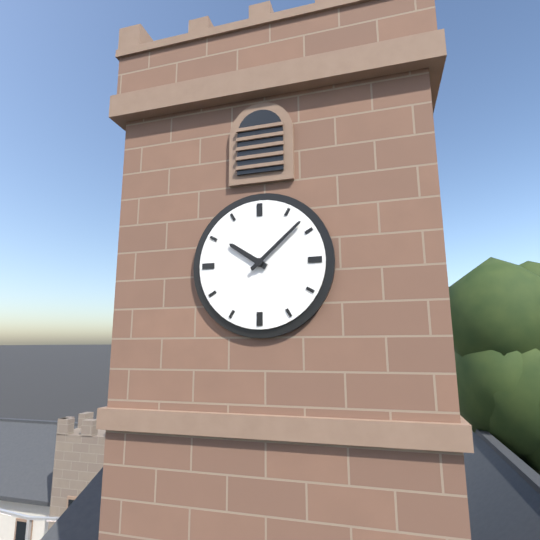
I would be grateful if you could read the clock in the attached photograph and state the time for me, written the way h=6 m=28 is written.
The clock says h=10 m=8
